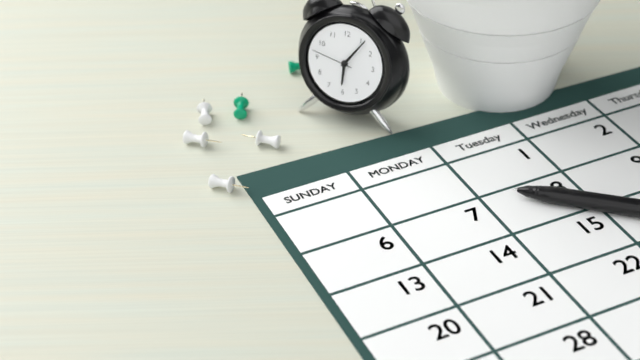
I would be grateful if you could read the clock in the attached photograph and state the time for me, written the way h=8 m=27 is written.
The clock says h=6 m=6
